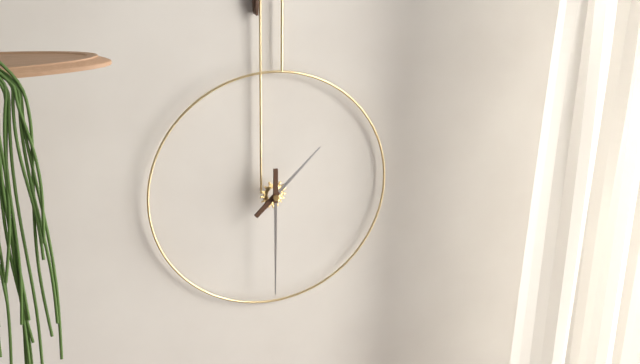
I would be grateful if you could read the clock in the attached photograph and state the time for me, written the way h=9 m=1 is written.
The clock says h=1 m=30
